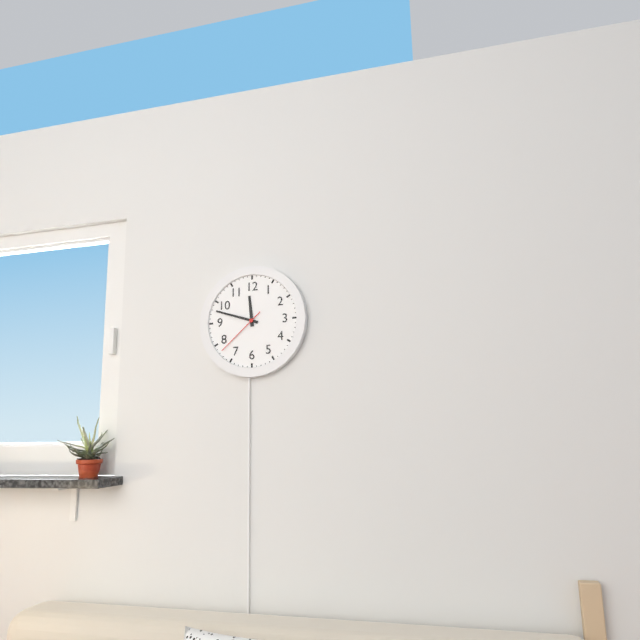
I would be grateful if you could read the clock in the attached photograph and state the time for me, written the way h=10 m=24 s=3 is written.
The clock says h=11 m=48 s=38
